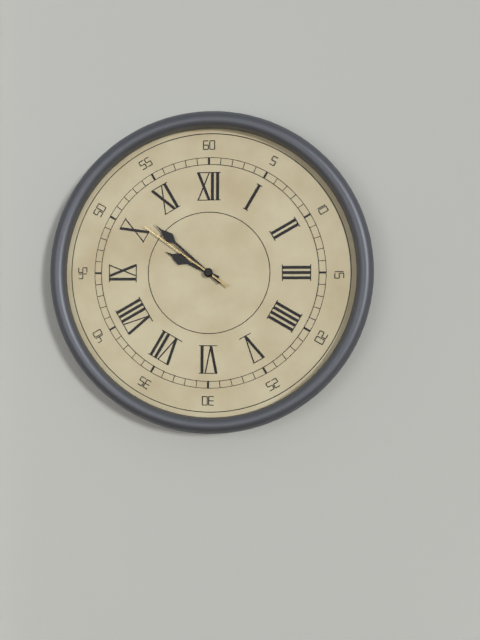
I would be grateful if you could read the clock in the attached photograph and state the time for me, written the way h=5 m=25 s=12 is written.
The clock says h=9 m=52 s=51
